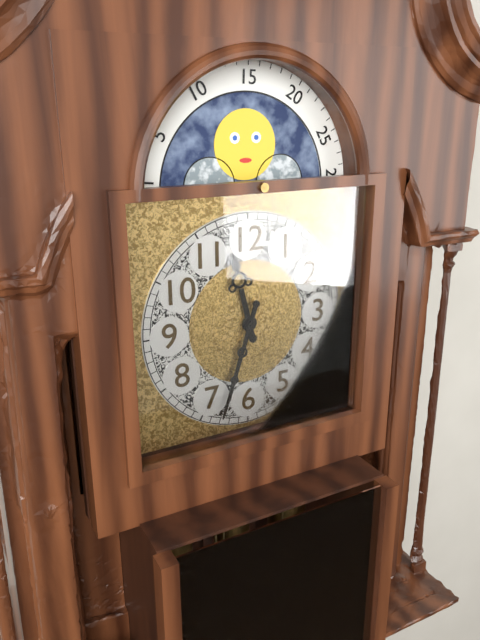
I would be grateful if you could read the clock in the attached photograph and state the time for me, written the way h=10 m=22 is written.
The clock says h=11 m=33
